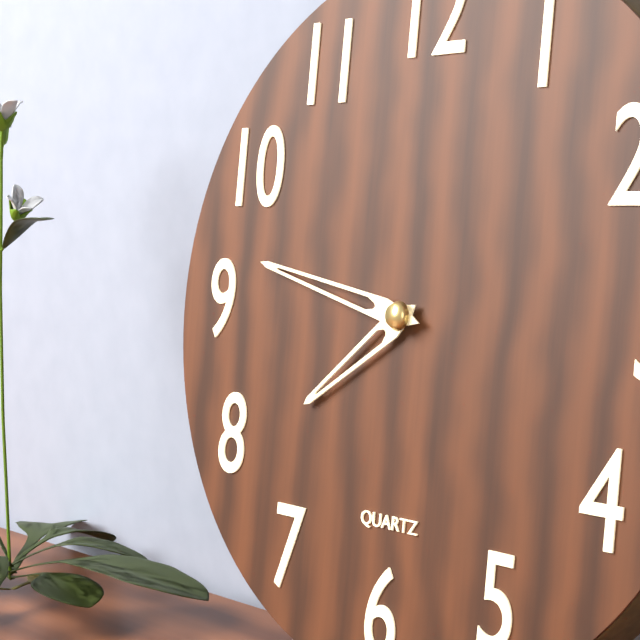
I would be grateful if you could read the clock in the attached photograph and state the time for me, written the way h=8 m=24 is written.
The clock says h=7 m=47
